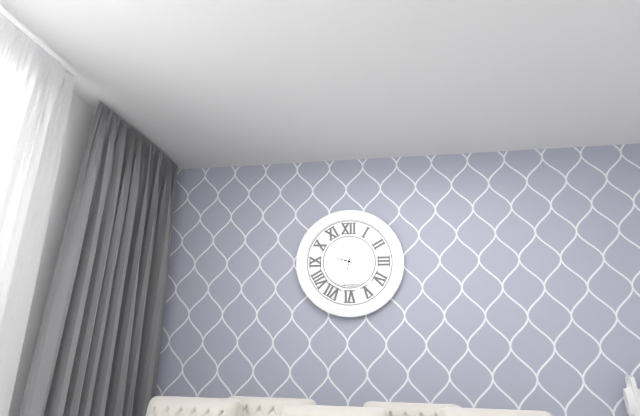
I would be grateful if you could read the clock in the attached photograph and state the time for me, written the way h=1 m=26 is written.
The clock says h=9 m=32
